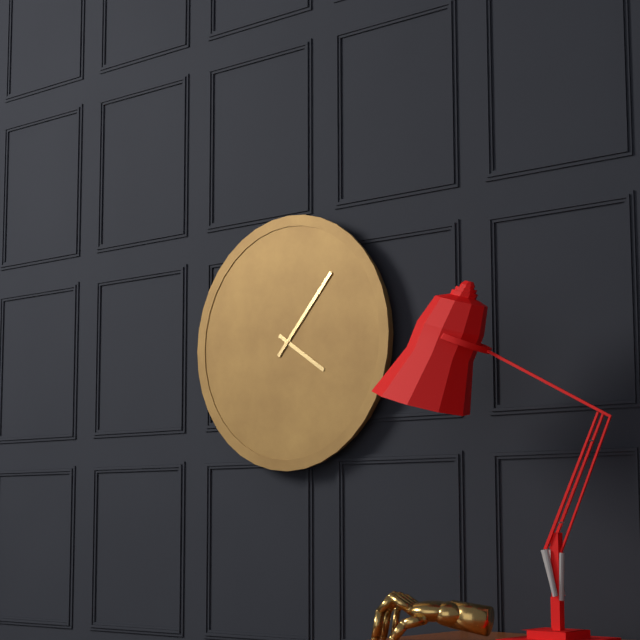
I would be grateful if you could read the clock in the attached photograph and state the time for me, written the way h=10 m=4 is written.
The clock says h=4 m=7
